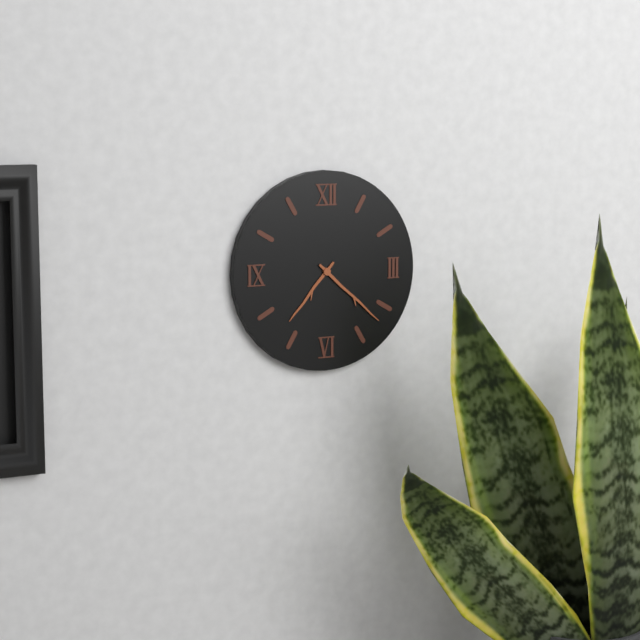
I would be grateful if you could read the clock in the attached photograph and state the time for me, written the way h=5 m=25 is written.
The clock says h=7 m=22
